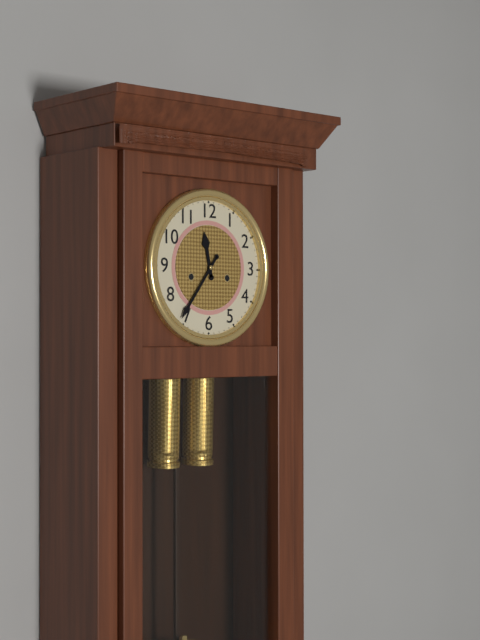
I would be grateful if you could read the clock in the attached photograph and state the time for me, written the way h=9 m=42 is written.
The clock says h=11 m=36
